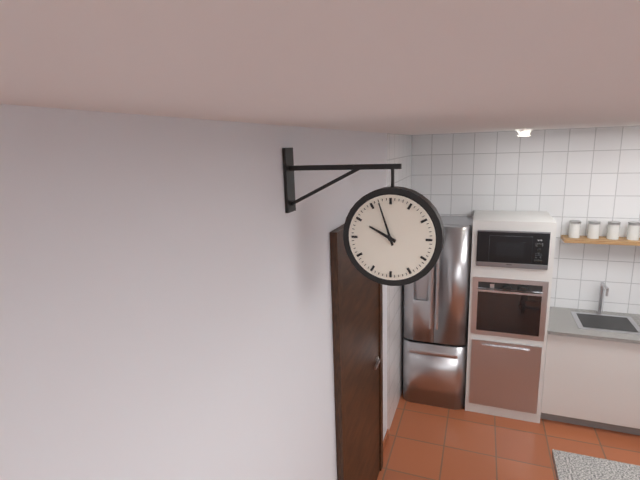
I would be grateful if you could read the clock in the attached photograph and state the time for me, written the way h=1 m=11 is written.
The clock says h=9 m=57
